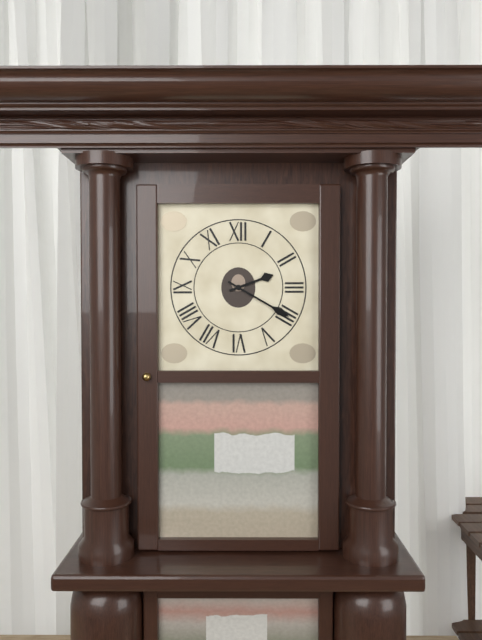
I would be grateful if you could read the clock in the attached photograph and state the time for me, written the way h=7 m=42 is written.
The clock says h=2 m=20
